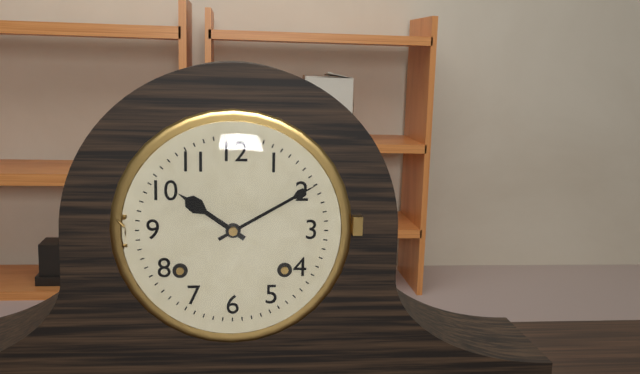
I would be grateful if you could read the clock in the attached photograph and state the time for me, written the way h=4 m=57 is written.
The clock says h=10 m=10
